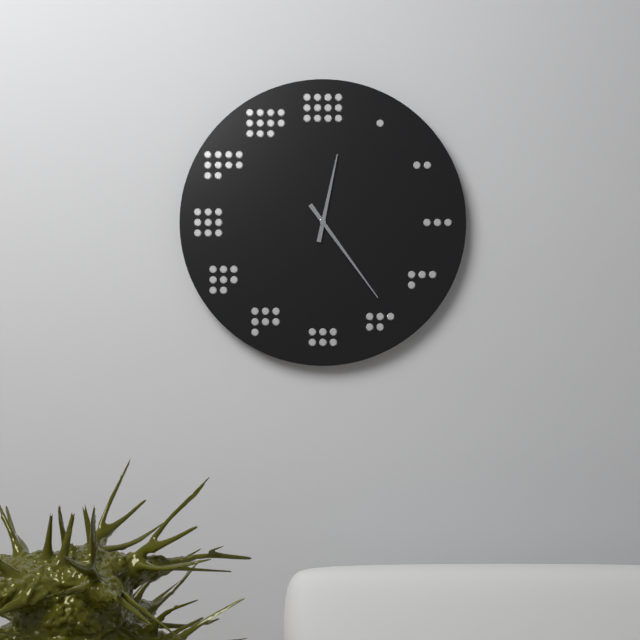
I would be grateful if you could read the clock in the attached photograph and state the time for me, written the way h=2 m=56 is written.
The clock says h=12 m=24
